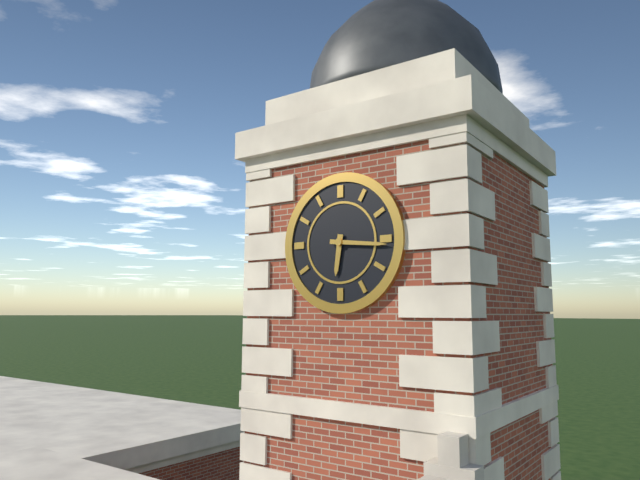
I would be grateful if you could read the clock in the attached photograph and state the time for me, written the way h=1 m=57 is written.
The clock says h=6 m=16
